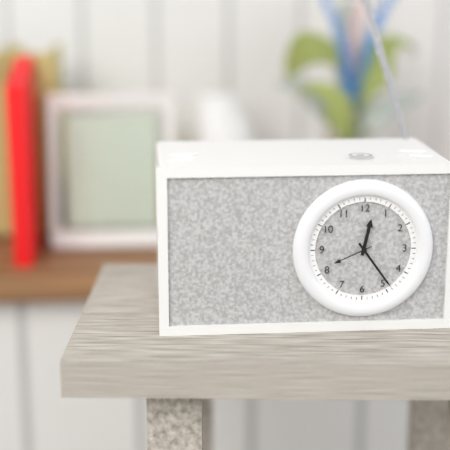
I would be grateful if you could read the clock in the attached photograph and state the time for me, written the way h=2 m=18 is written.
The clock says h=12 m=24
